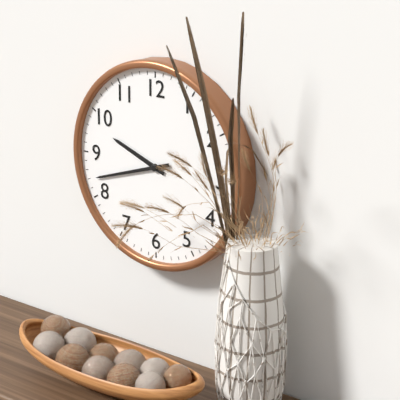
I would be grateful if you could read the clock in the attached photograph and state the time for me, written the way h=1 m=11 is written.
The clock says h=9 m=42
